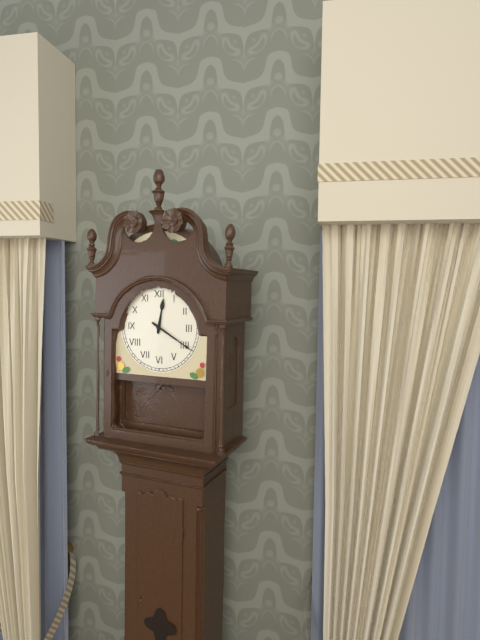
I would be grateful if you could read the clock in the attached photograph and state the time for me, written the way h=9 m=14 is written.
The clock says h=12 m=20
